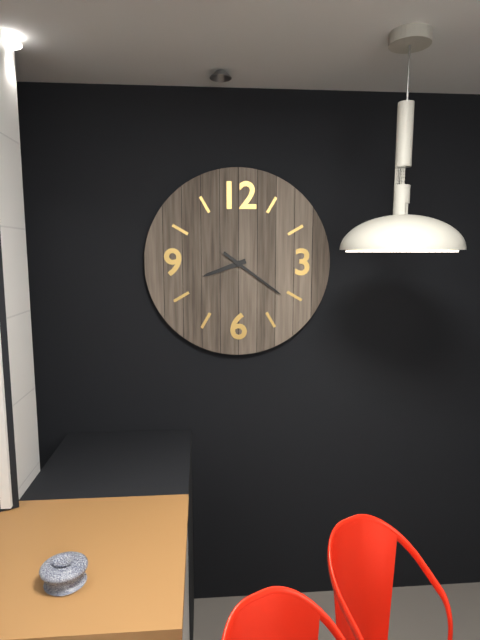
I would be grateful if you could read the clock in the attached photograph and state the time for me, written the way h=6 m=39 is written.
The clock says h=8 m=21
